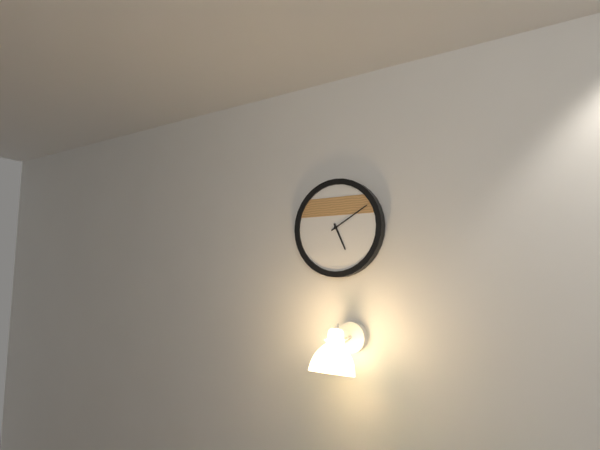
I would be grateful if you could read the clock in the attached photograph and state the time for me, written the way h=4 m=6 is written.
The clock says h=5 m=10
